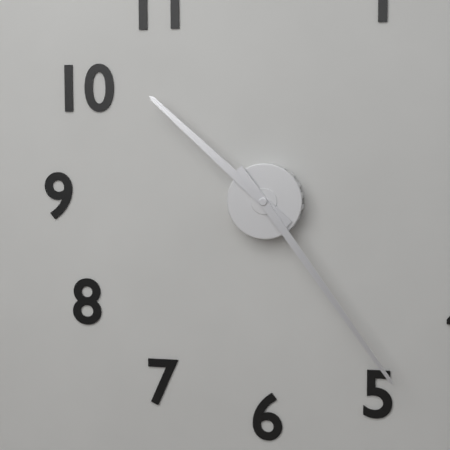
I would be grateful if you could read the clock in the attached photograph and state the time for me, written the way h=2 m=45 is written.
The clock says h=10 m=24
